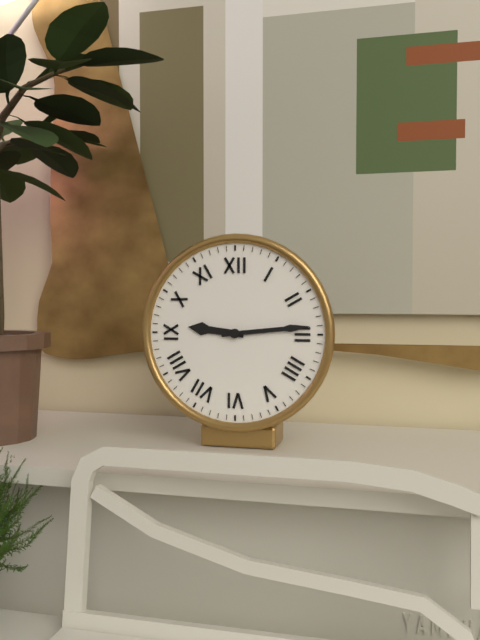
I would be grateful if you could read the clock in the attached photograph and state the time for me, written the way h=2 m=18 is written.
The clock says h=9 m=14
